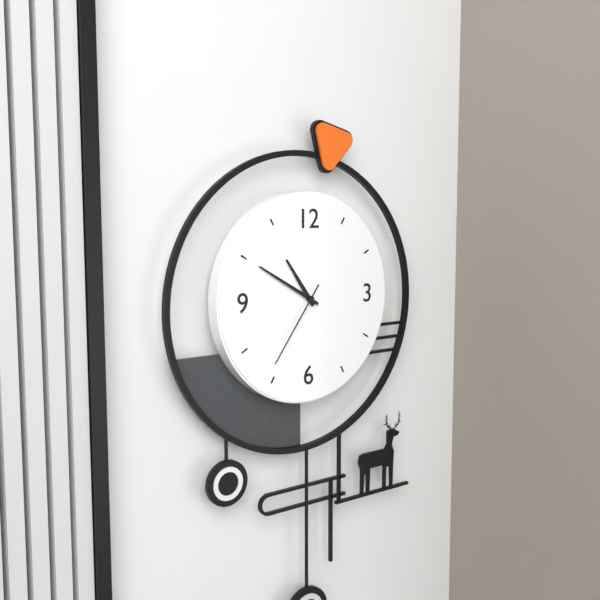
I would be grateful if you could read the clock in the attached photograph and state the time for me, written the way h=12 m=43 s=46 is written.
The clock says h=10 m=50 s=36
